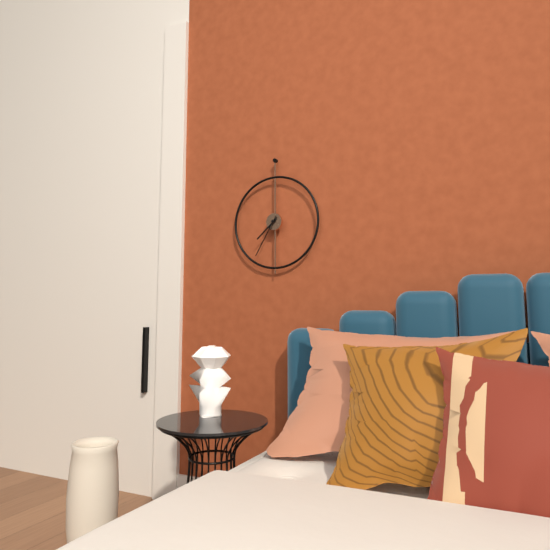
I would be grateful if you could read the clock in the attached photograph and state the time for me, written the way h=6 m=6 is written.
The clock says h=7 m=35
